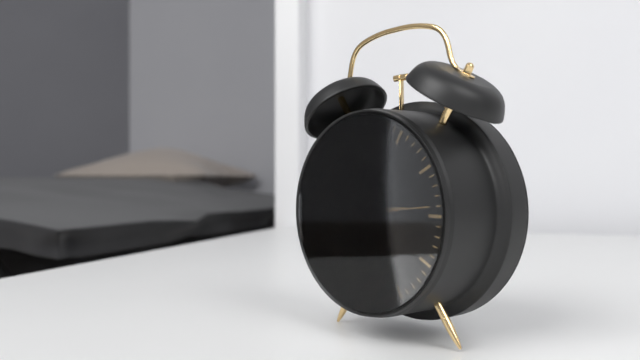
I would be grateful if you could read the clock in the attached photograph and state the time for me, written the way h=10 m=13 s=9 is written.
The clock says h=2 m=46 s=14
